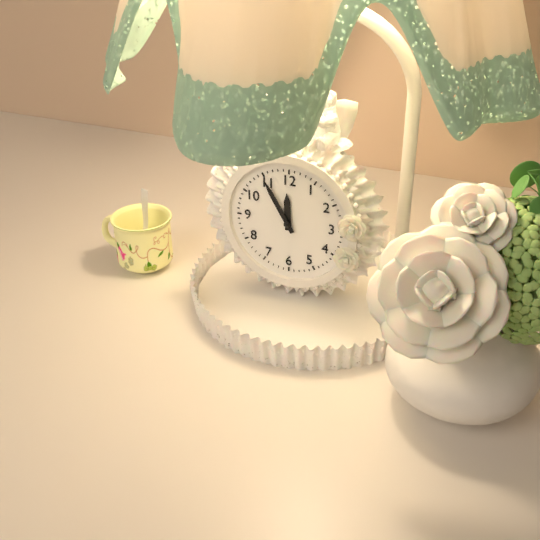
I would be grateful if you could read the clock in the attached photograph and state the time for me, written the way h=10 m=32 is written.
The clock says h=11 m=55
